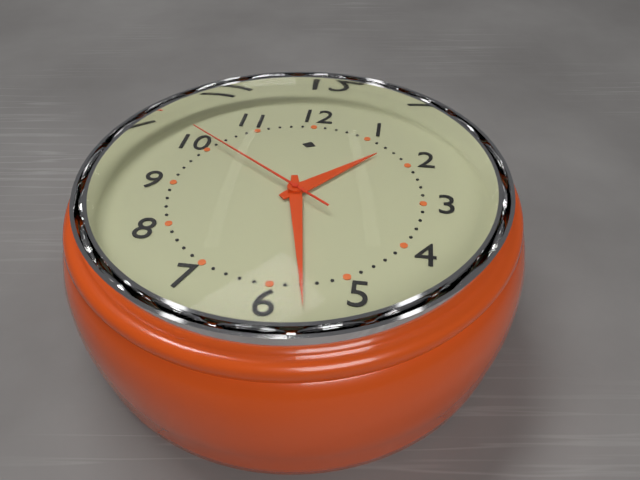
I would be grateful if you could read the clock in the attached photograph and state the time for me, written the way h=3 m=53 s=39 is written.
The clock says h=1 m=28 s=51
